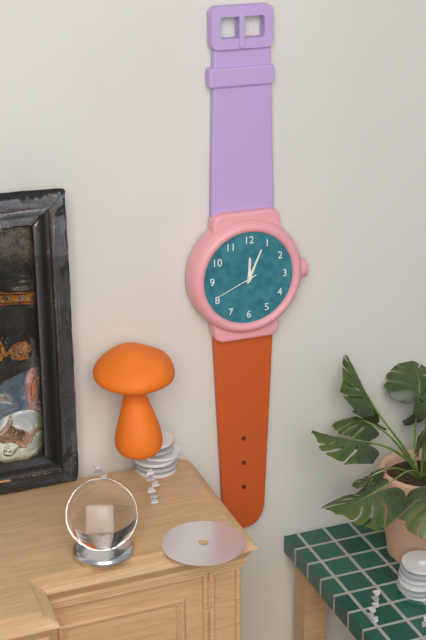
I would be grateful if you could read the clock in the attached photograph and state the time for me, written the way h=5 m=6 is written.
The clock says h=12 m=4
